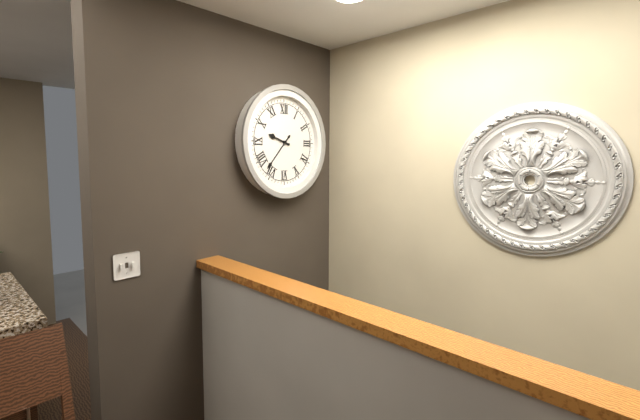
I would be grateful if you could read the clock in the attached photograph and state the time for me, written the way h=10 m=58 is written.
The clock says h=9 m=37
